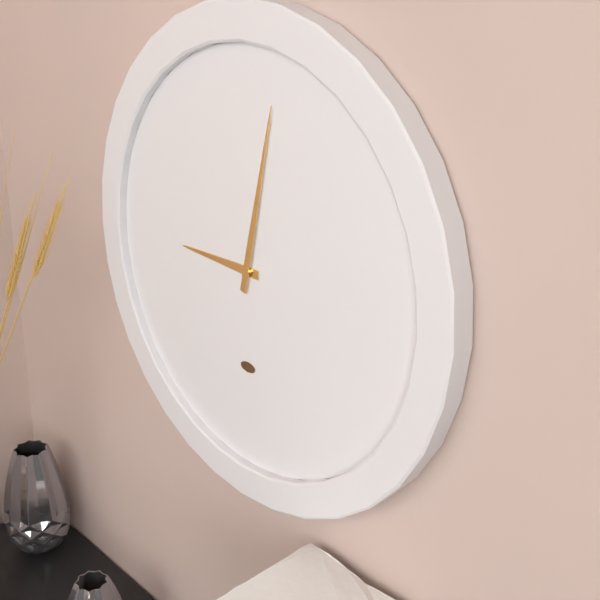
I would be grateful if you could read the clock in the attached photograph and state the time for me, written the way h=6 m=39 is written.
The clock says h=9 m=2
